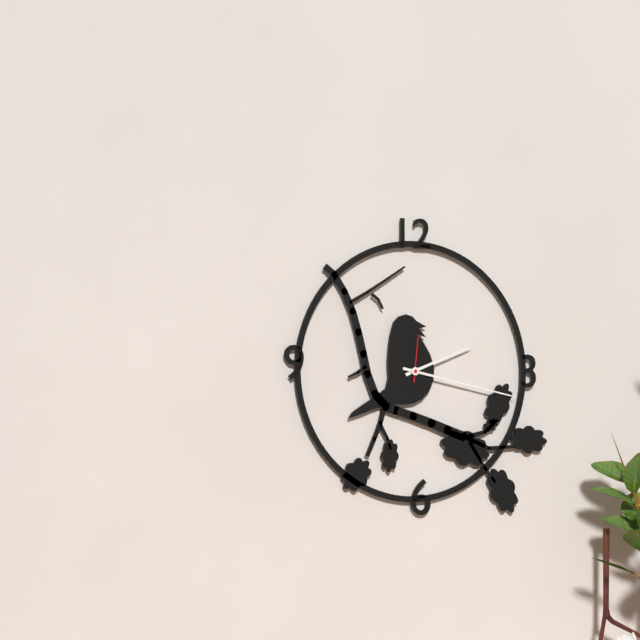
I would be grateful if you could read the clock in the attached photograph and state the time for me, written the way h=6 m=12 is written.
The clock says h=2 m=17
